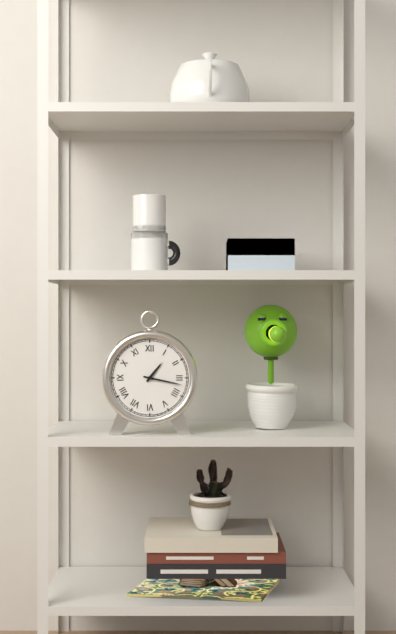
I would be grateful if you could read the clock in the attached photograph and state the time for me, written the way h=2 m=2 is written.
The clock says h=1 m=17
